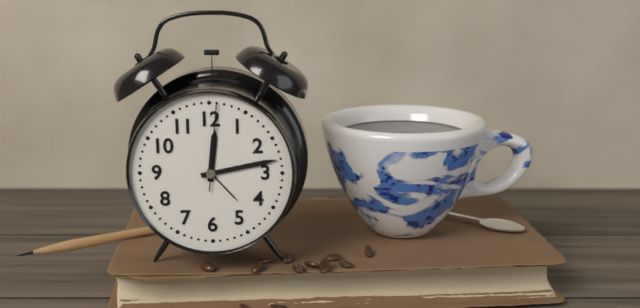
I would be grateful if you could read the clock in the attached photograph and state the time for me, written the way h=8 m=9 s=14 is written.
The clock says h=12 m=13 s=1
